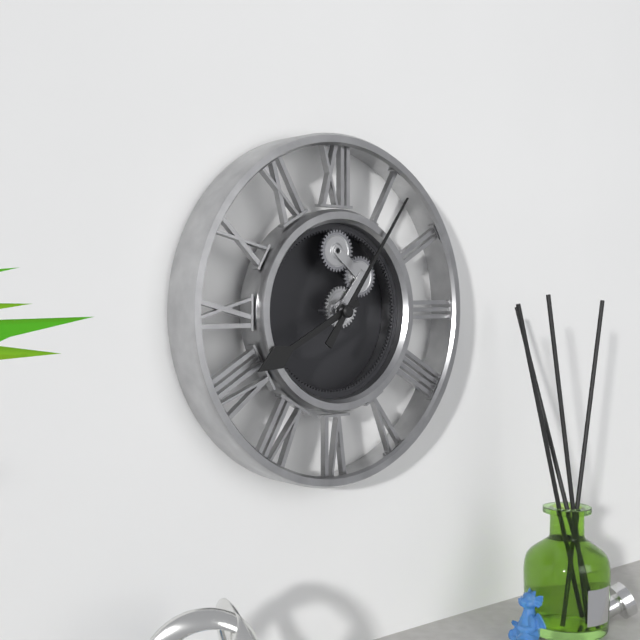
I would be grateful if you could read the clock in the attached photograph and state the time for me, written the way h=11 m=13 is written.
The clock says h=8 m=6
